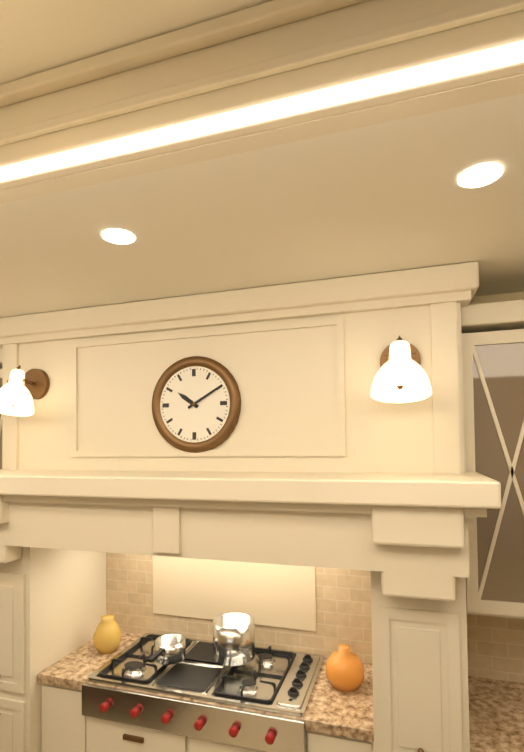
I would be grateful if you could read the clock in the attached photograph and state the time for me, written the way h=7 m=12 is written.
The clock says h=10 m=10
